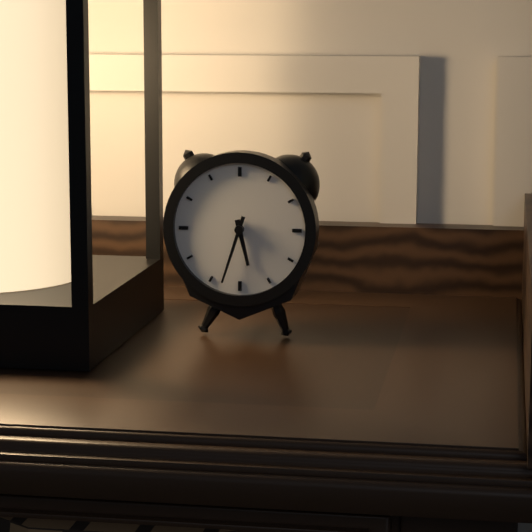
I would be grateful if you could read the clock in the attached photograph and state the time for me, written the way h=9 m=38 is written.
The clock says h=5 m=33
